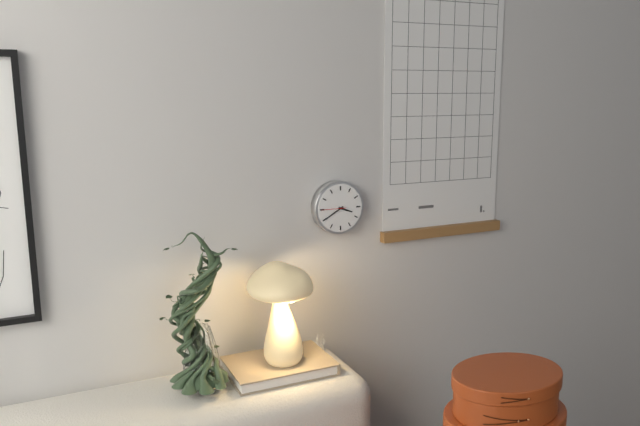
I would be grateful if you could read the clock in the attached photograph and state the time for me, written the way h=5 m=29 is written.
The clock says h=3 m=40
